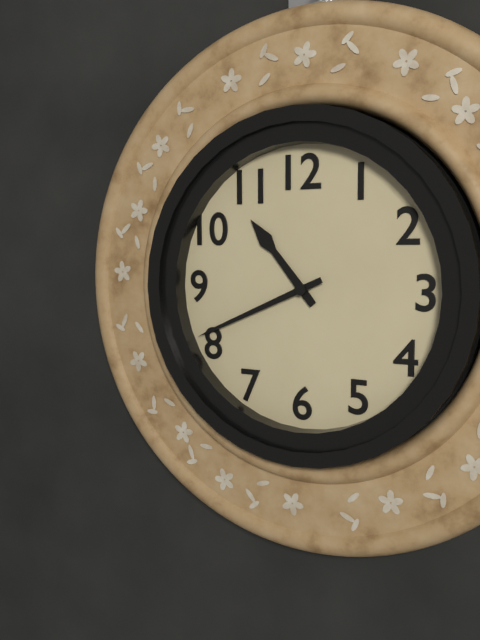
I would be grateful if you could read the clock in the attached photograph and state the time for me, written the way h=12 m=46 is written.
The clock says h=10 m=41
